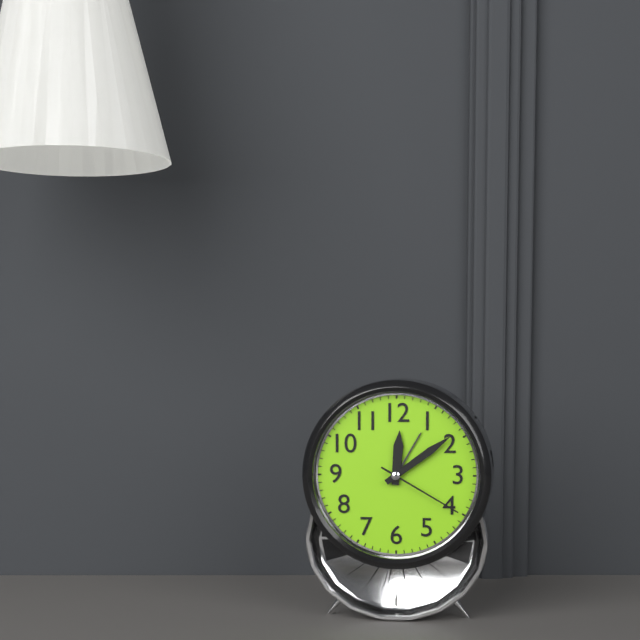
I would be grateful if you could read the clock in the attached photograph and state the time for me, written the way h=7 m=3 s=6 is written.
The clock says h=12 m=9 s=20
